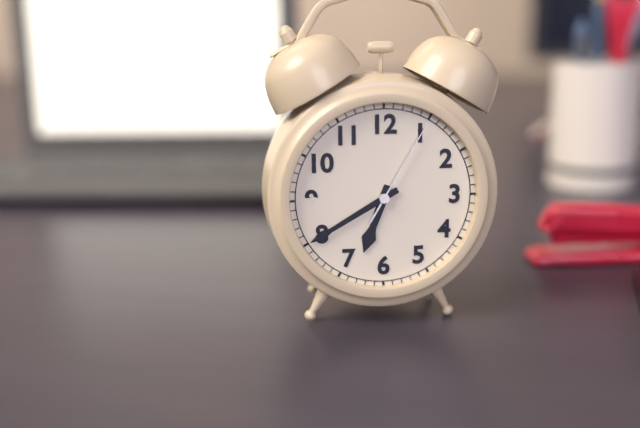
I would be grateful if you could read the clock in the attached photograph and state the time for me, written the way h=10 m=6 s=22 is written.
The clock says h=6 m=40 s=5
